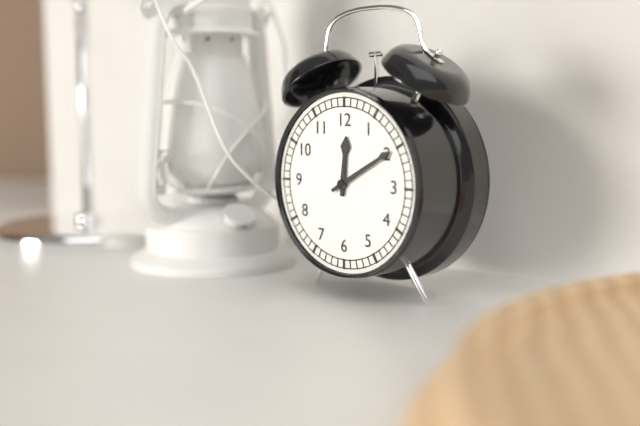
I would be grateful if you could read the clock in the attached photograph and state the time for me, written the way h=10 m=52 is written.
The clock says h=12 m=10
